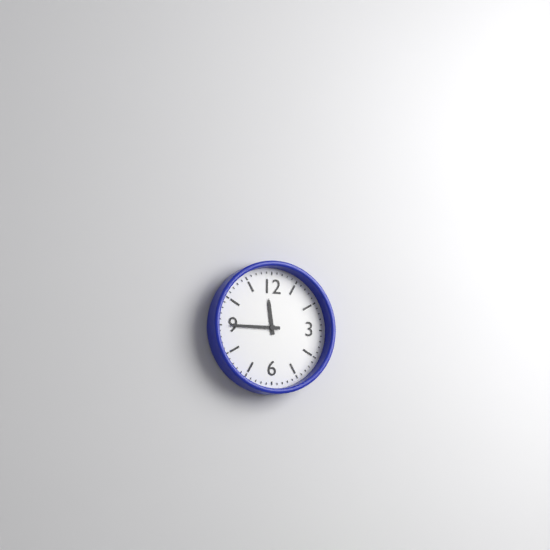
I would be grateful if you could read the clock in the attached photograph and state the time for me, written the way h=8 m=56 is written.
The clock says h=11 m=45
